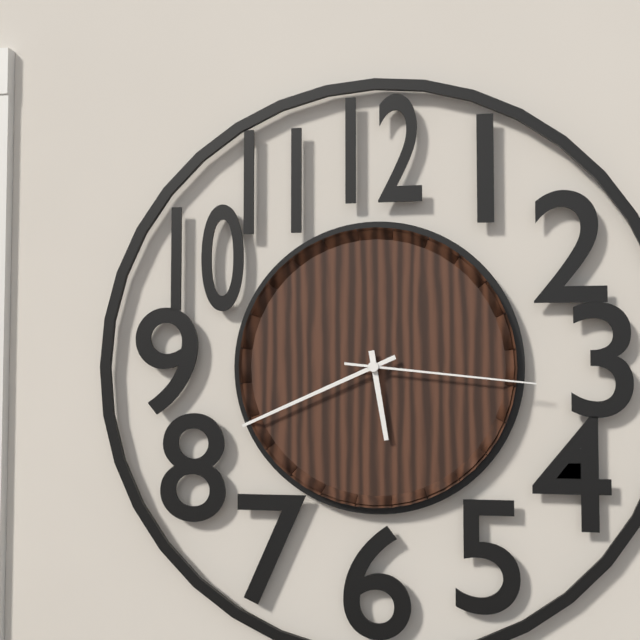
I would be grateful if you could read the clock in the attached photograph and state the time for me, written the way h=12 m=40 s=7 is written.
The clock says h=5 m=41 s=16
